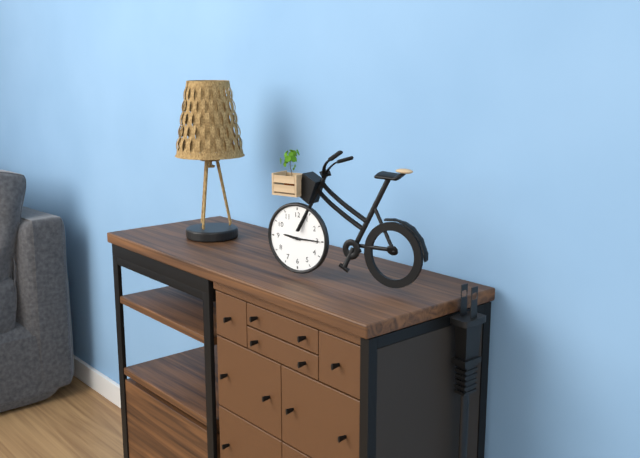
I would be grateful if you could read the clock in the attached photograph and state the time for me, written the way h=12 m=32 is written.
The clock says h=9 m=15
